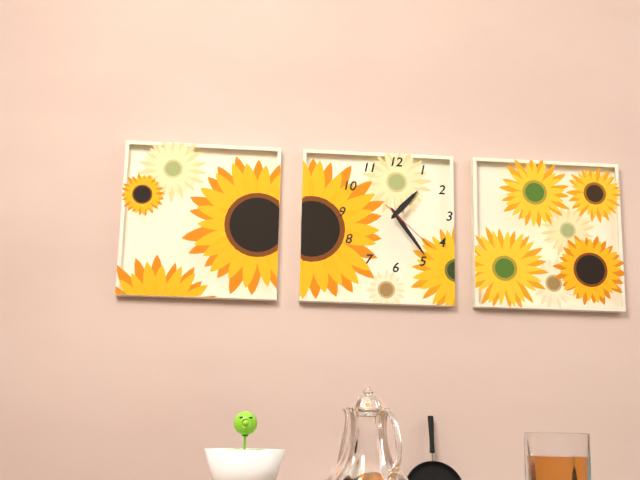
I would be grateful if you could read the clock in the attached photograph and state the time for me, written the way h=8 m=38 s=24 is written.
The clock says h=1 m=24 s=22
